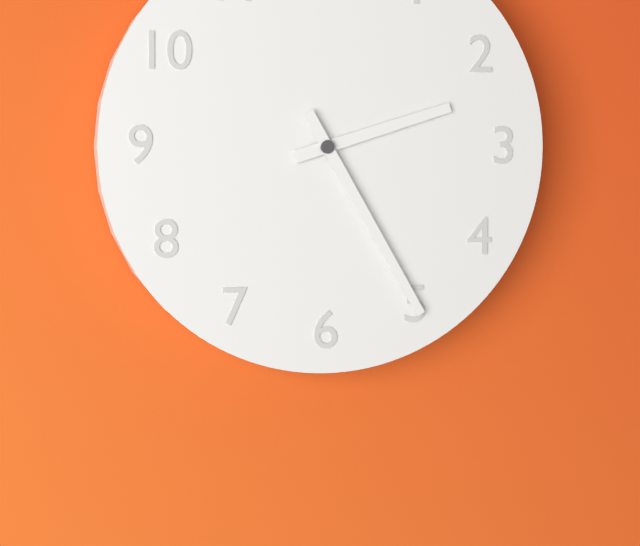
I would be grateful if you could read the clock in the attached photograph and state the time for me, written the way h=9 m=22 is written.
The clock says h=2 m=25
